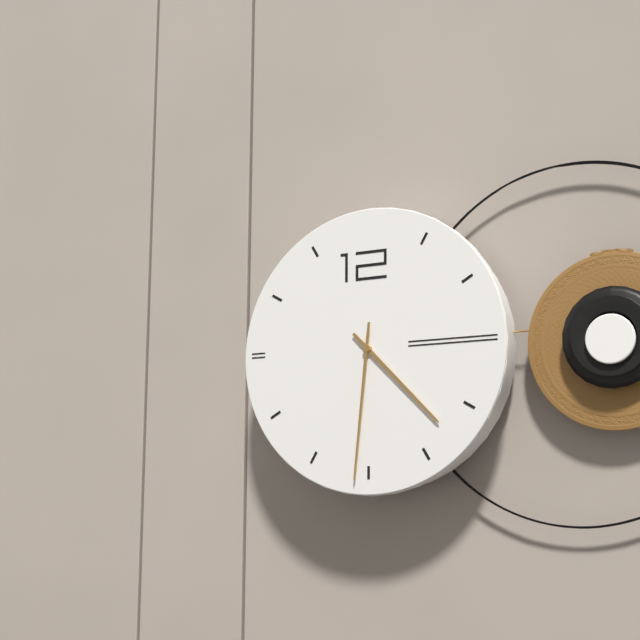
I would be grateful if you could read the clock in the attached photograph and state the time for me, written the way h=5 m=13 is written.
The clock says h=4 m=31
